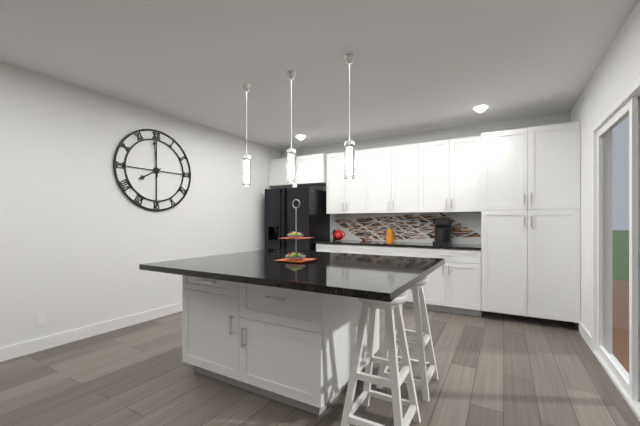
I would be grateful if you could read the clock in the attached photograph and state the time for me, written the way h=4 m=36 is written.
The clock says h=7 m=59
